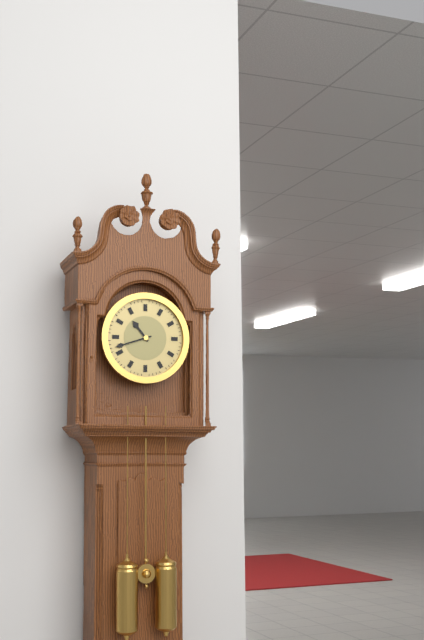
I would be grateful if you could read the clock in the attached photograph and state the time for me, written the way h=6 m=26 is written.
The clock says h=10 m=42
